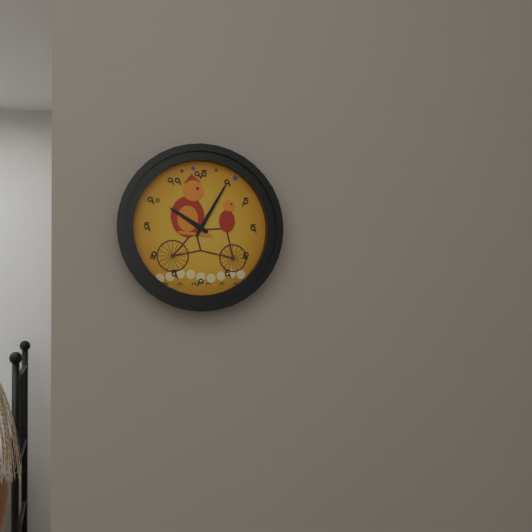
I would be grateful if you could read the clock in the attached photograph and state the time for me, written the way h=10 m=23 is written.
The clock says h=10 m=5
